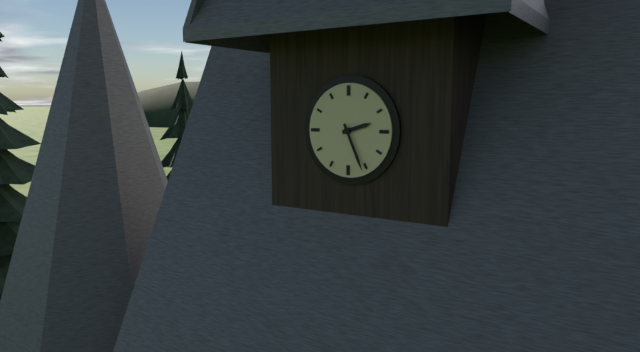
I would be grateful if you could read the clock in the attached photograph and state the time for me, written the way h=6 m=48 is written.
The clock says h=2 m=26
